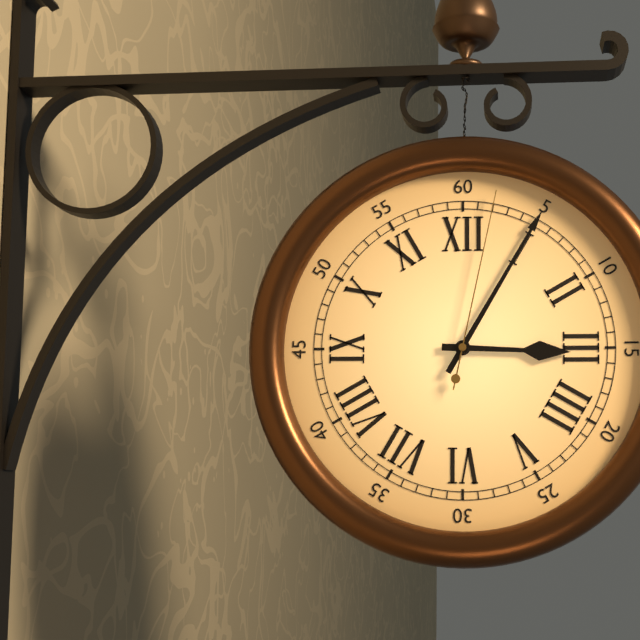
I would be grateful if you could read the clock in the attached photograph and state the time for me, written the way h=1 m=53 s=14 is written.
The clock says h=3 m=5 s=2
